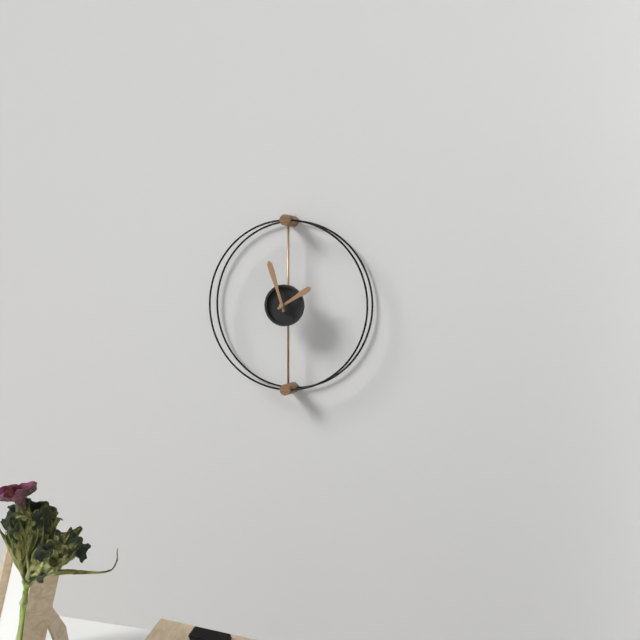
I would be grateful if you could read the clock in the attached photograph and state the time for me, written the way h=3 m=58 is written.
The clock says h=1 m=57
